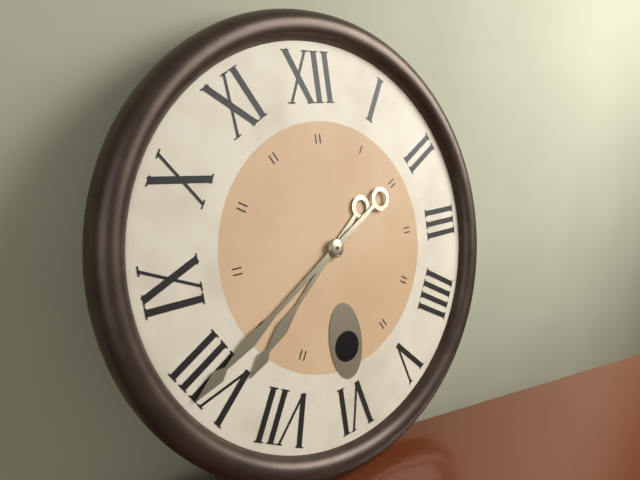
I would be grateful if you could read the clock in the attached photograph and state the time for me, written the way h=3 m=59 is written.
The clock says h=7 m=40
